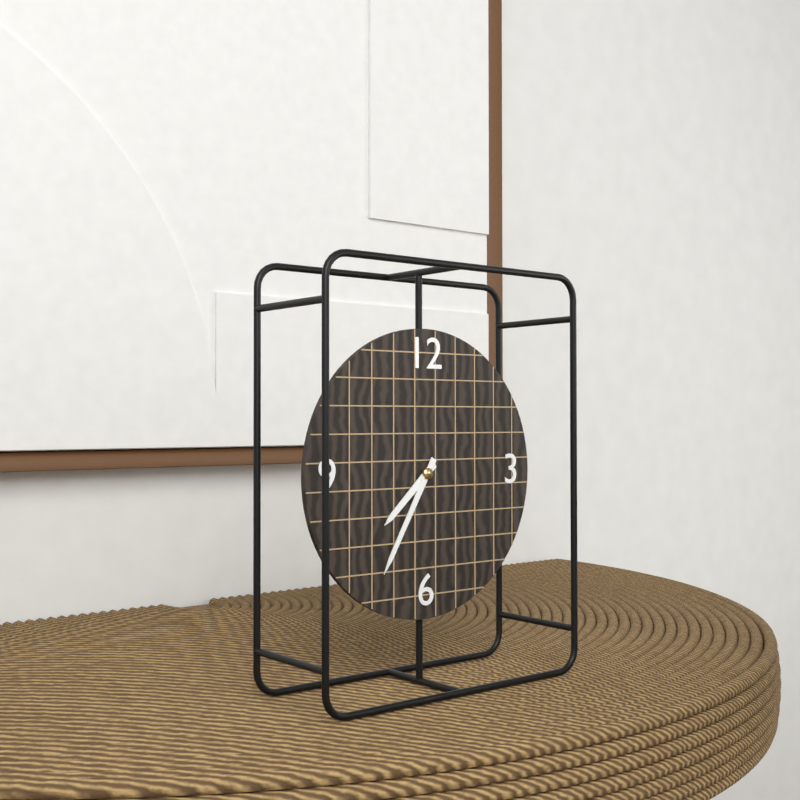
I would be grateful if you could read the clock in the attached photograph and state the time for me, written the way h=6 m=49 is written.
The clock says h=7 m=35
